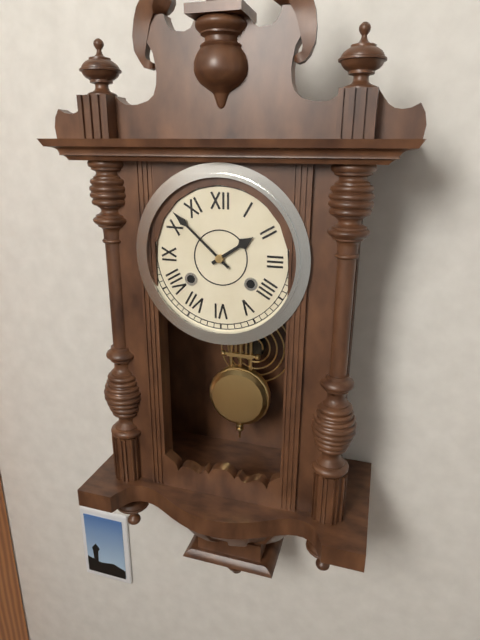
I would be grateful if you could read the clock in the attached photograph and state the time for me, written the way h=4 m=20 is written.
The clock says h=1 m=52
